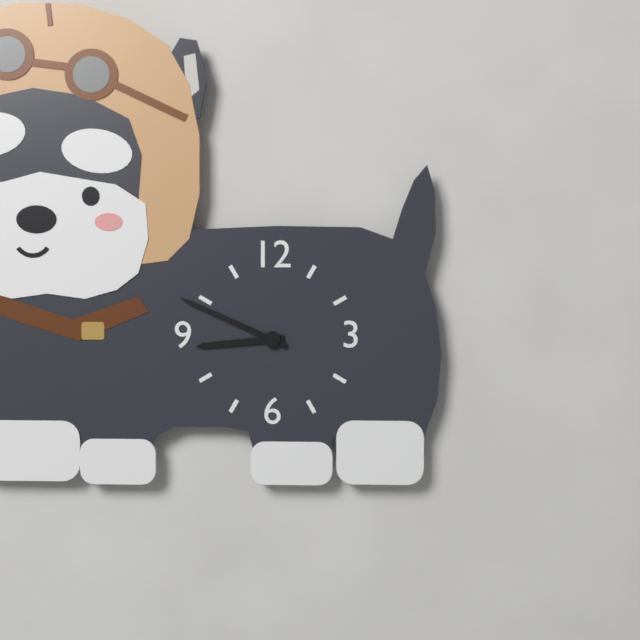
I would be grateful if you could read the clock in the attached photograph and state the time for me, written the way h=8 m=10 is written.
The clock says h=8 m=49
